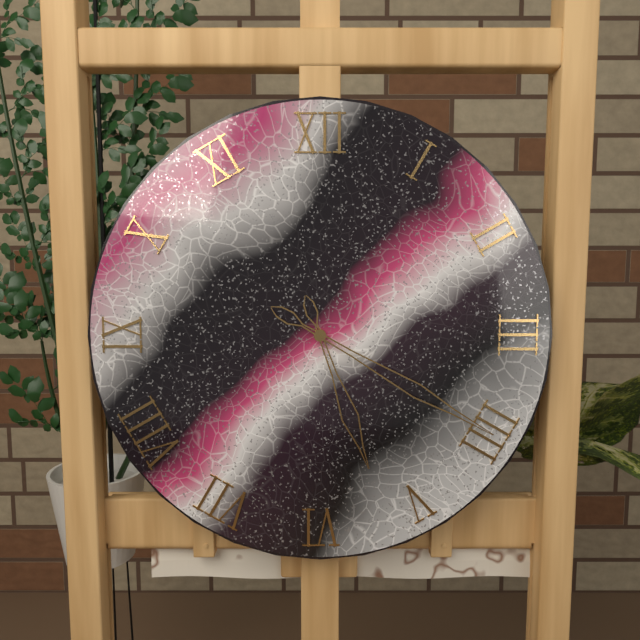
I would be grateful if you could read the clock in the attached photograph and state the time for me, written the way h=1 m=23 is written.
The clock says h=5 m=20
